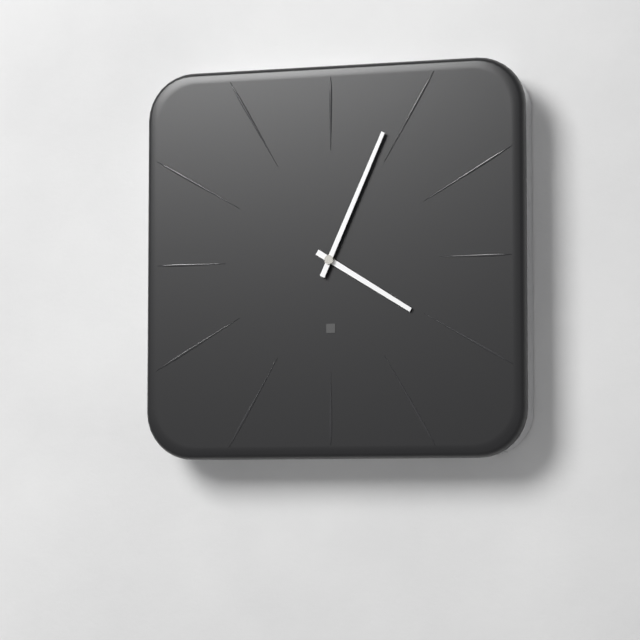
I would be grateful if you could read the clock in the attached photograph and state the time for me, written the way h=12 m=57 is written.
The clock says h=4 m=4
